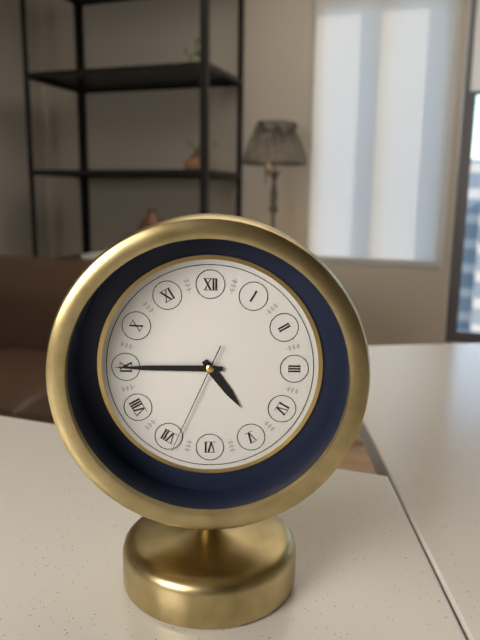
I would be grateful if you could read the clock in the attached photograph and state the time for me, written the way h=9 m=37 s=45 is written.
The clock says h=4 m=45 s=34
